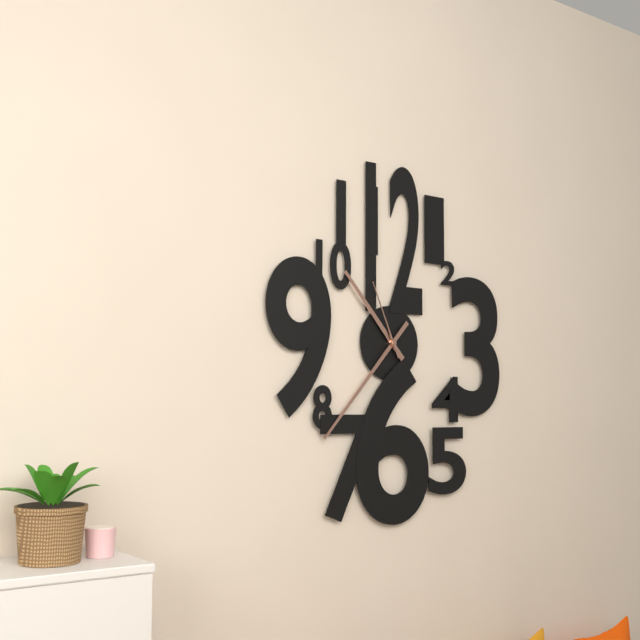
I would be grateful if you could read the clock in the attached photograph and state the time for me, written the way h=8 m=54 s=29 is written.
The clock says h=10 m=37 s=56
